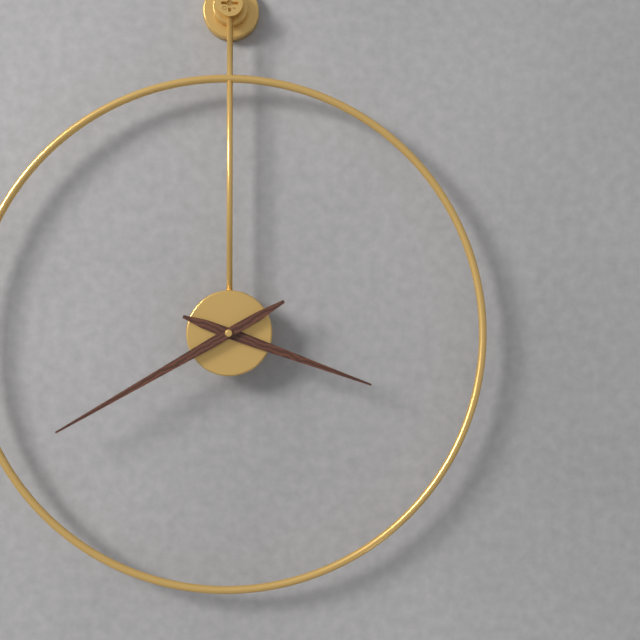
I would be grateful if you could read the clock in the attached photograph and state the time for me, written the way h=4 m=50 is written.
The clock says h=3 m=40
